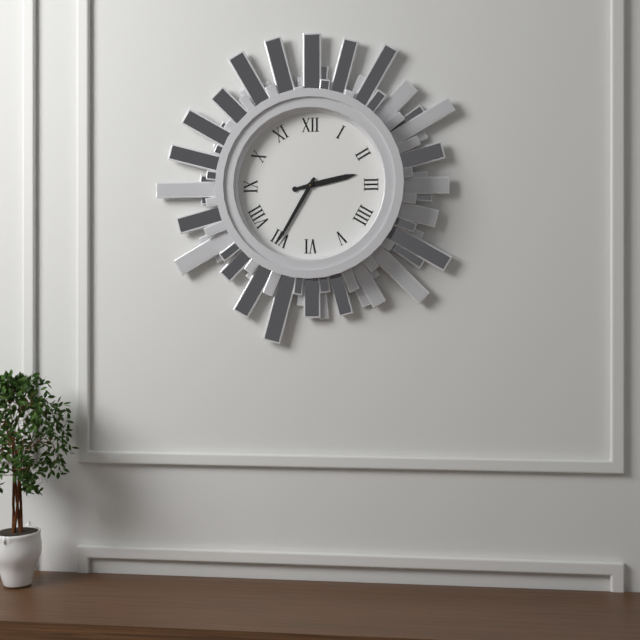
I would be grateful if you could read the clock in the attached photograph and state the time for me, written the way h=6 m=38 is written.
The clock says h=2 m=35
